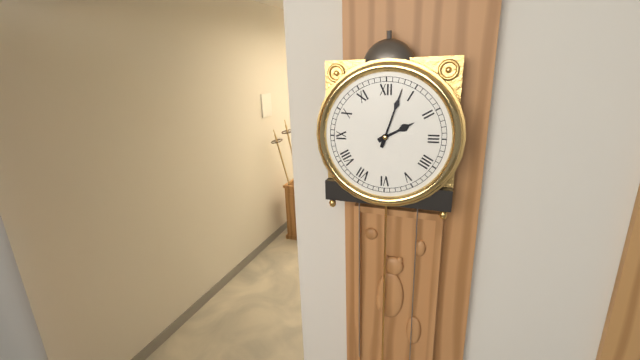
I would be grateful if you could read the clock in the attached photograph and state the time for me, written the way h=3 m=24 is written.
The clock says h=2 m=3
